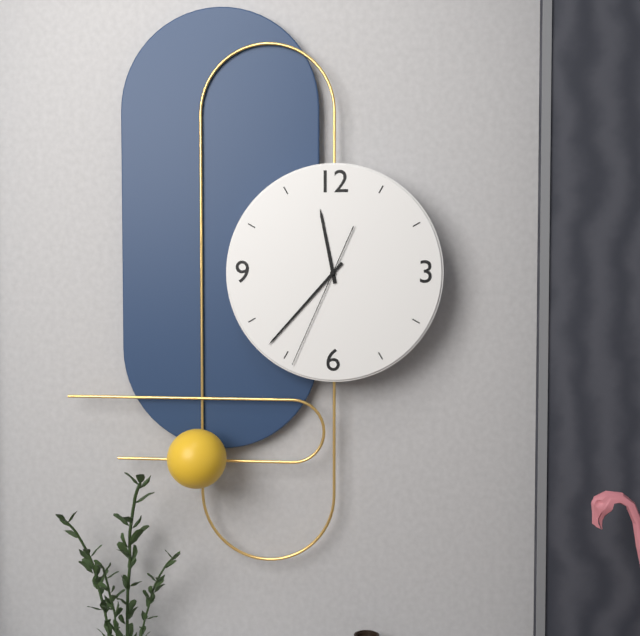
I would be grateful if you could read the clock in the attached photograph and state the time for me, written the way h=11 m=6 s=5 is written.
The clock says h=11 m=37 s=34
